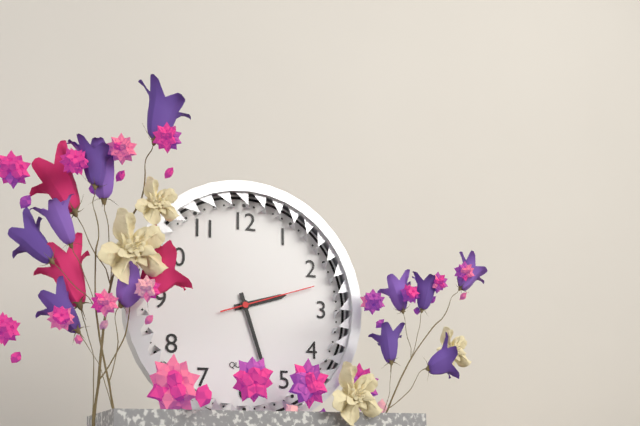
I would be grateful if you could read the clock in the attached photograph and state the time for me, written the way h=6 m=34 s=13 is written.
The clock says h=2 m=27 s=12
